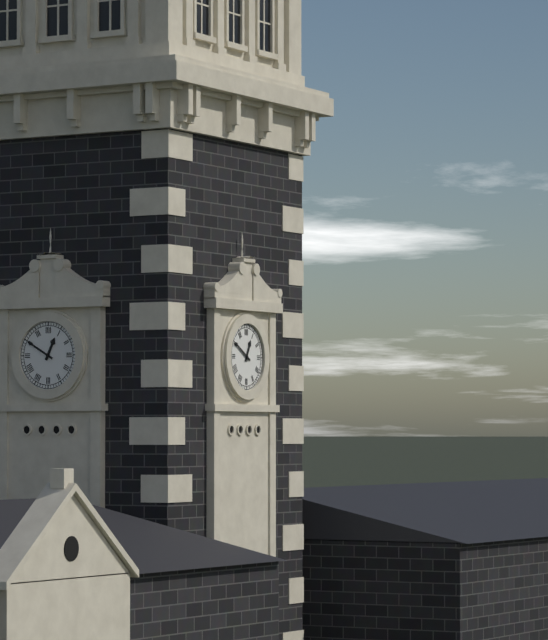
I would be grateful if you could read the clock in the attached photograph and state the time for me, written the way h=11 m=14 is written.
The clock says h=12 m=50
